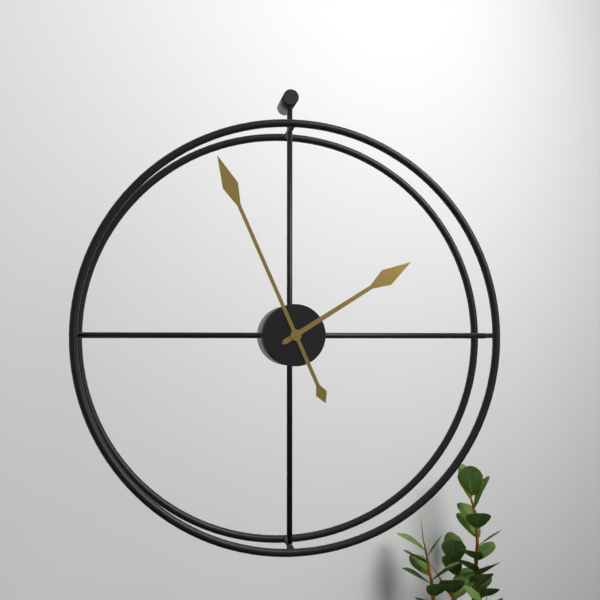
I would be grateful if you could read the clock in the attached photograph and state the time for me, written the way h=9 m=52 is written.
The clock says h=1 m=56
